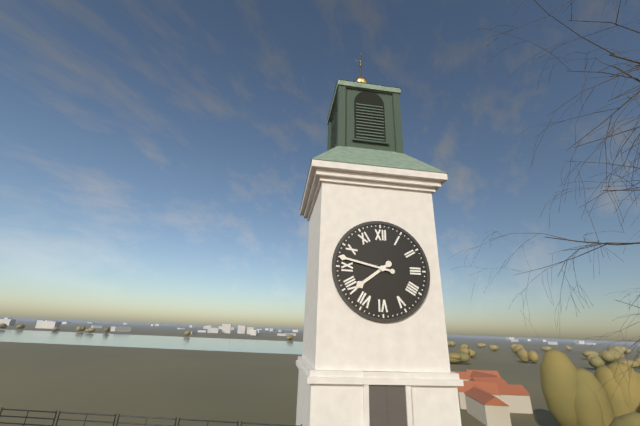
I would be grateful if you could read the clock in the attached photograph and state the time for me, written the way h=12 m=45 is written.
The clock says h=7 m=47
